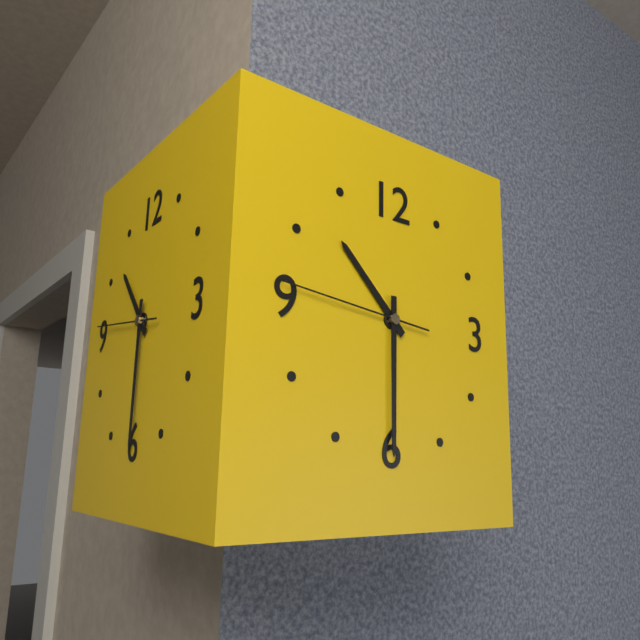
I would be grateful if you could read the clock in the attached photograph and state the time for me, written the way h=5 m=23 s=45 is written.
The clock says h=10 m=30 s=46
